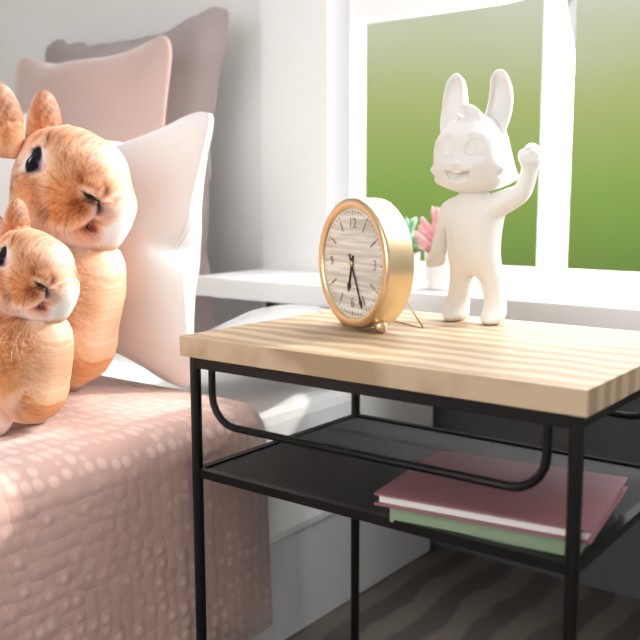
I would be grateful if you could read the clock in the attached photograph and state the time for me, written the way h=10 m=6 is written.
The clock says h=6 m=26
